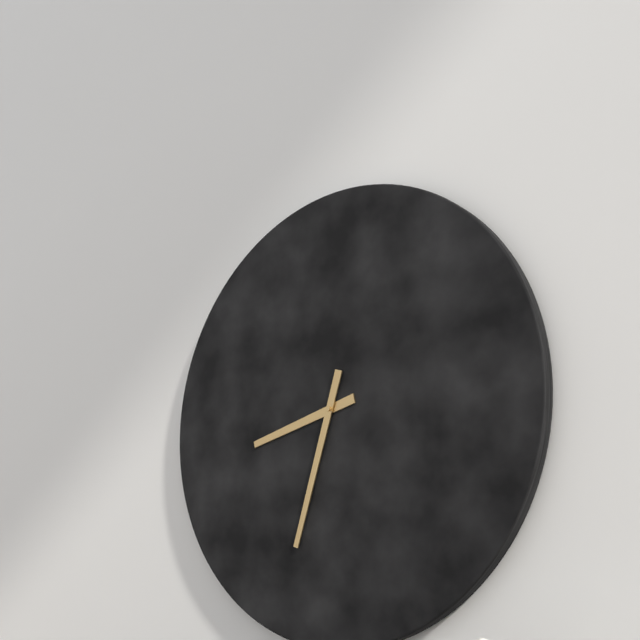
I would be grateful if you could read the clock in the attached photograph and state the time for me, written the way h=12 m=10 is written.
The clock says h=8 m=33
